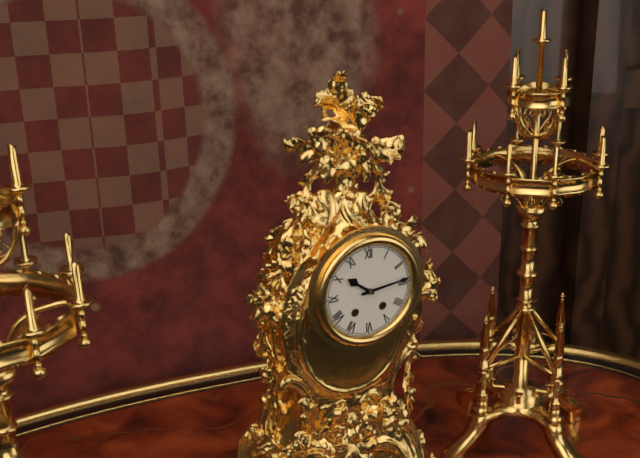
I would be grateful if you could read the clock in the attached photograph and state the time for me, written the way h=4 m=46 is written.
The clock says h=10 m=14
